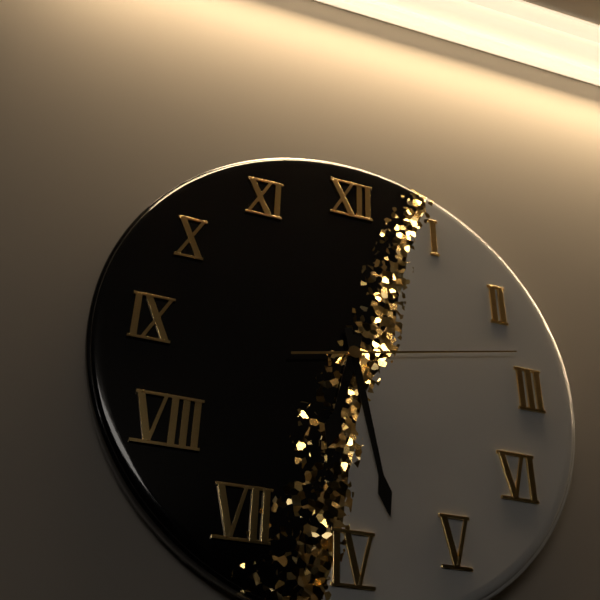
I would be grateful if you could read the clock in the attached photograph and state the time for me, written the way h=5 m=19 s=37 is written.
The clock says h=6 m=28 s=13
